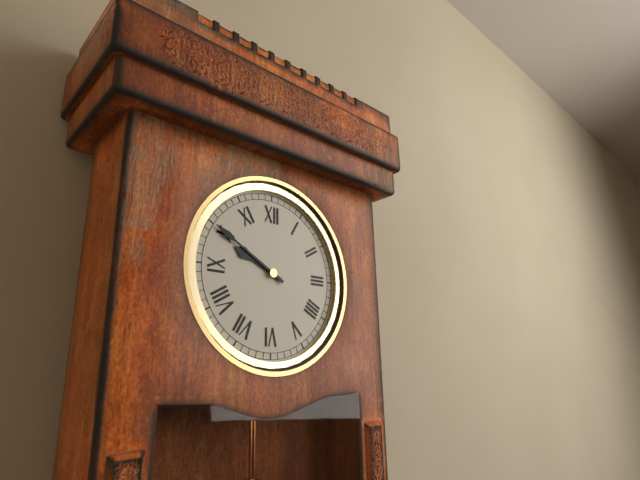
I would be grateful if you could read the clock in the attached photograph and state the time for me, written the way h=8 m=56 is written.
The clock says h=9 m=50
